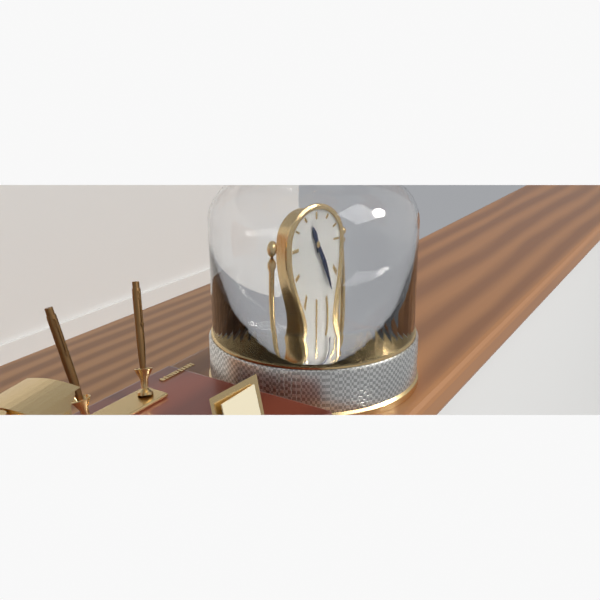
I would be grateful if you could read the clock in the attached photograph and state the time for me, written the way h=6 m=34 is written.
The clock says h=11 m=23
